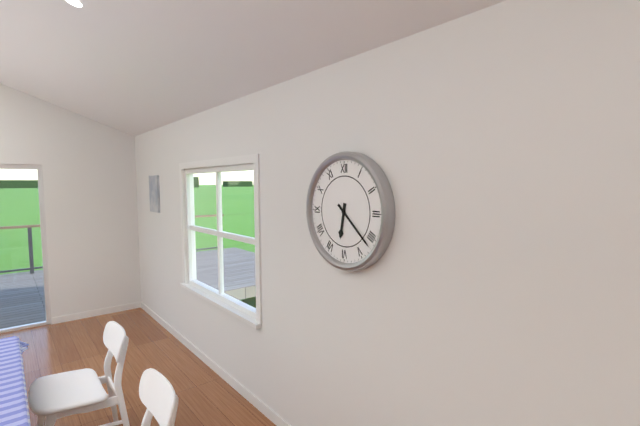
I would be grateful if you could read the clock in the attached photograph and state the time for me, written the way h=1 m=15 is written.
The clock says h=6 m=22
